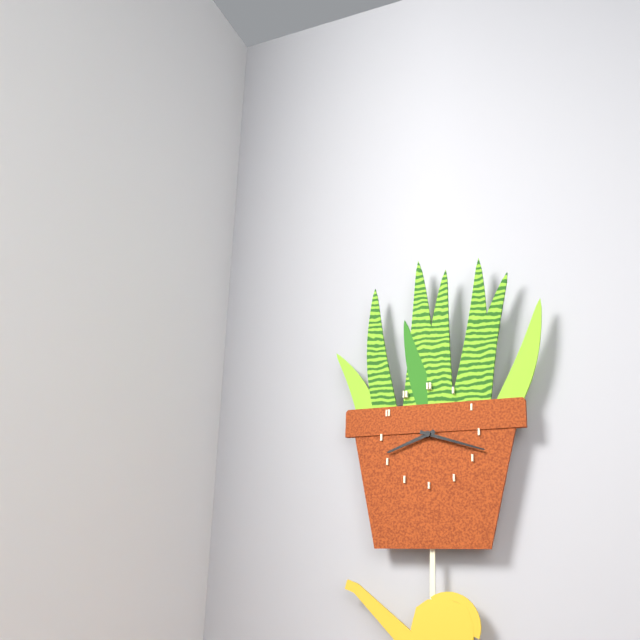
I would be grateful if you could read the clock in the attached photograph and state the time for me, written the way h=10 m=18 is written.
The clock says h=8 m=18
